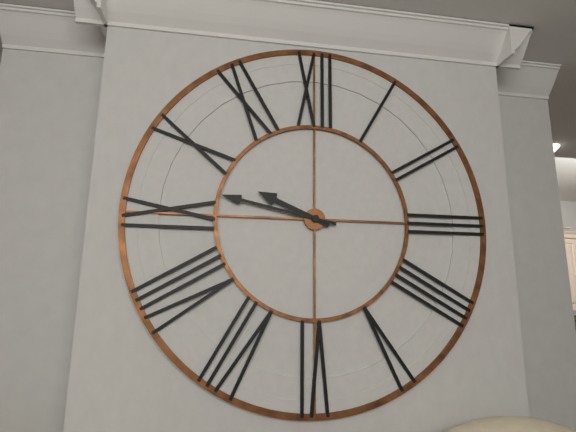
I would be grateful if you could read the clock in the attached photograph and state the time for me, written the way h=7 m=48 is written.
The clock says h=9 m=47
